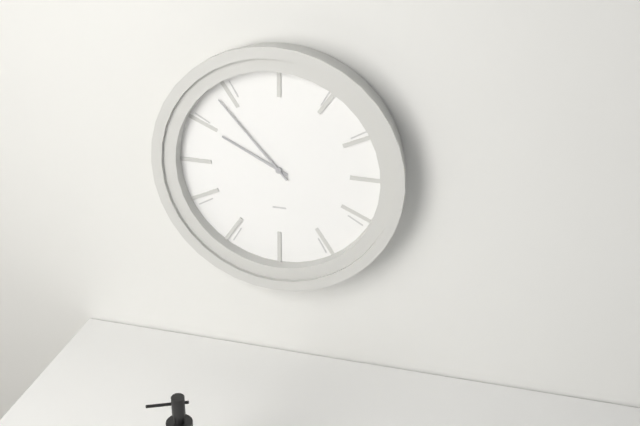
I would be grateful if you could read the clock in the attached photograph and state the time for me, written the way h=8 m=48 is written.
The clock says h=9 m=53
